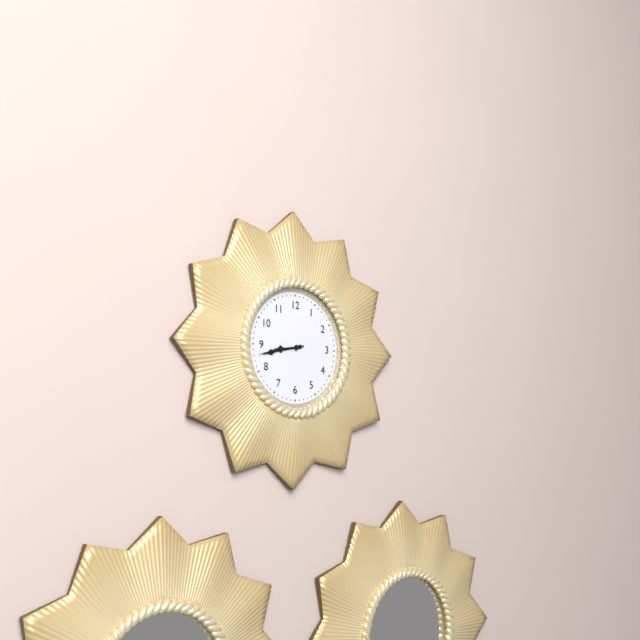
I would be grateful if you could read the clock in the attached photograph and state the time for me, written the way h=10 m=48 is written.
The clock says h=8 m=43
